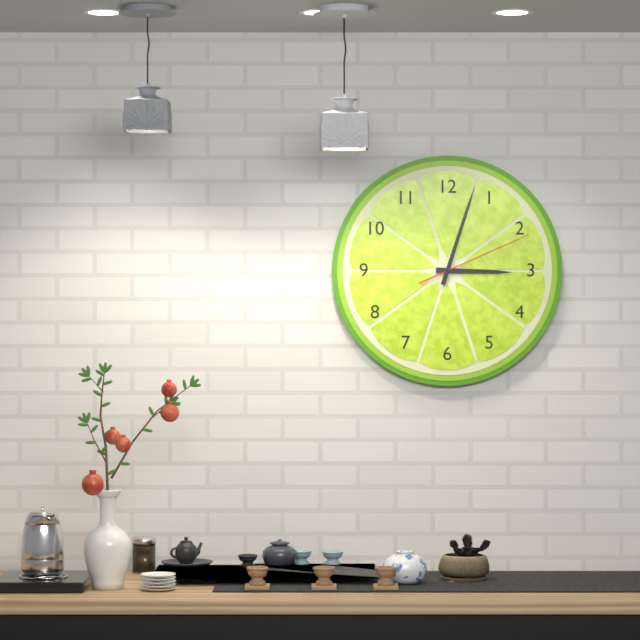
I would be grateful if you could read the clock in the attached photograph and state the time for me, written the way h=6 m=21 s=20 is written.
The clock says h=3 m=3 s=11
